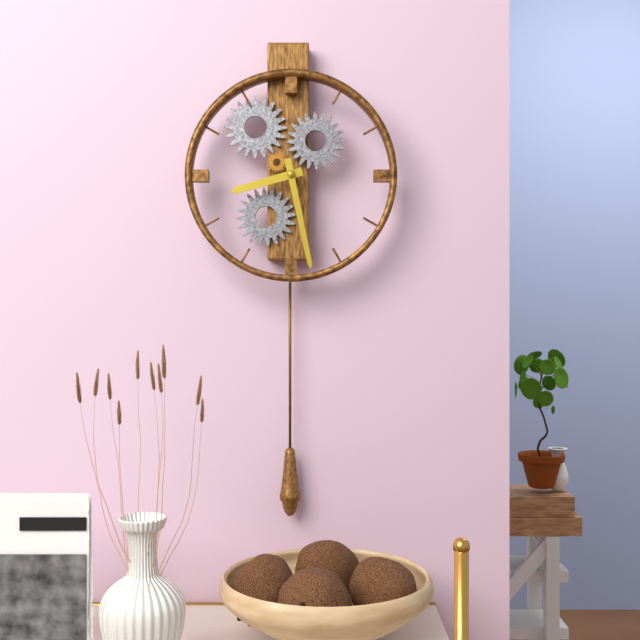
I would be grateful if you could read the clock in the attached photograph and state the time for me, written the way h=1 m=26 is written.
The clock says h=8 m=28
